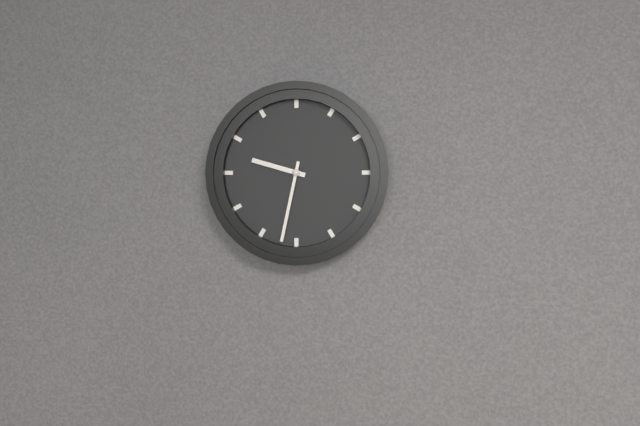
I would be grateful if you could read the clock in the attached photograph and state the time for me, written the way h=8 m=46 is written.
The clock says h=9 m=32
